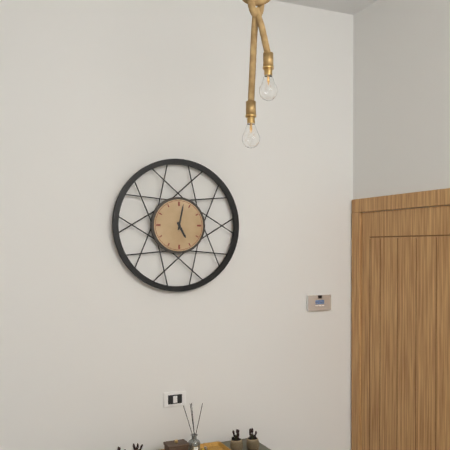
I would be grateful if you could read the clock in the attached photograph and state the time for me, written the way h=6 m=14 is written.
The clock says h=5 m=2
